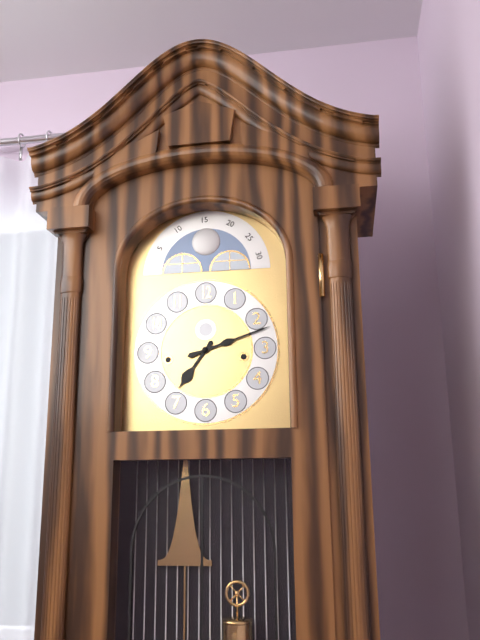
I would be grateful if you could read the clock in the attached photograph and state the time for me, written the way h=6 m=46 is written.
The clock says h=7 m=12
